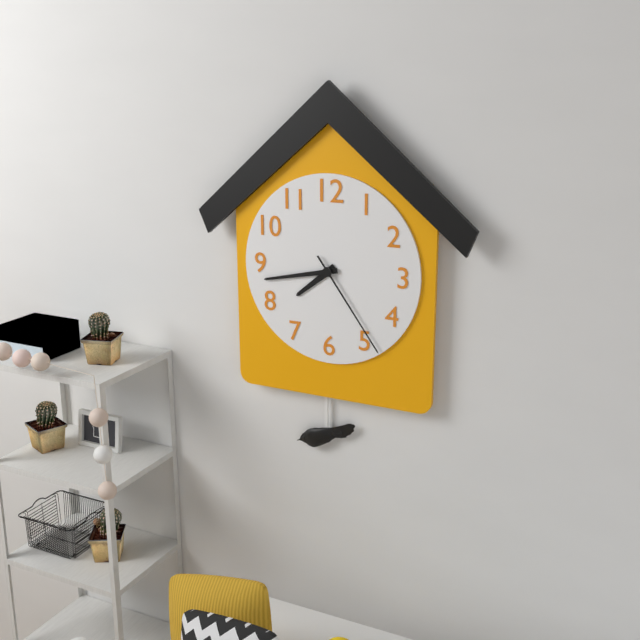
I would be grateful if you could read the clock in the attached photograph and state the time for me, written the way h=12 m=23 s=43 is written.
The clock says h=7 m=43 s=24
